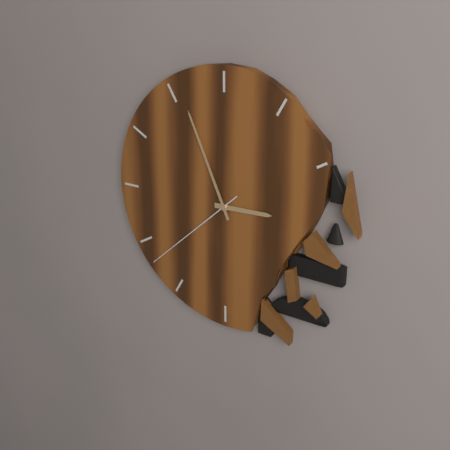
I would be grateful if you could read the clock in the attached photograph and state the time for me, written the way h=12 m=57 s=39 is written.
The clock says h=2 m=56 s=38
